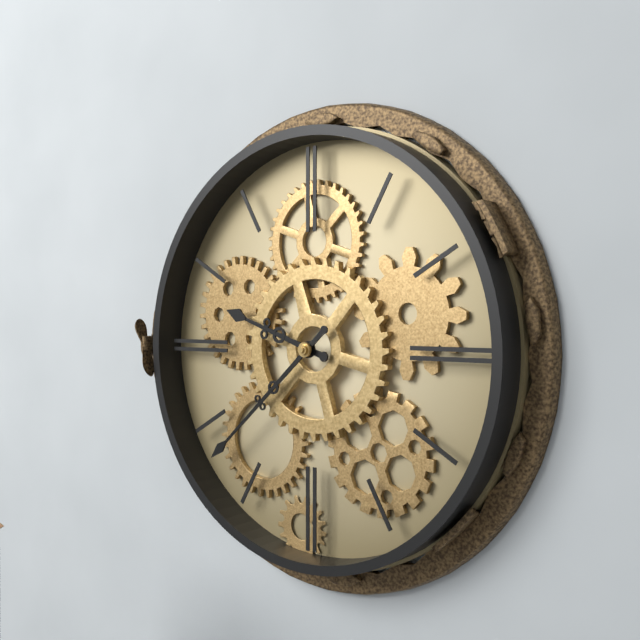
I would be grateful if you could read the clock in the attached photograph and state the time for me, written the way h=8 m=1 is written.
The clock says h=9 m=38
